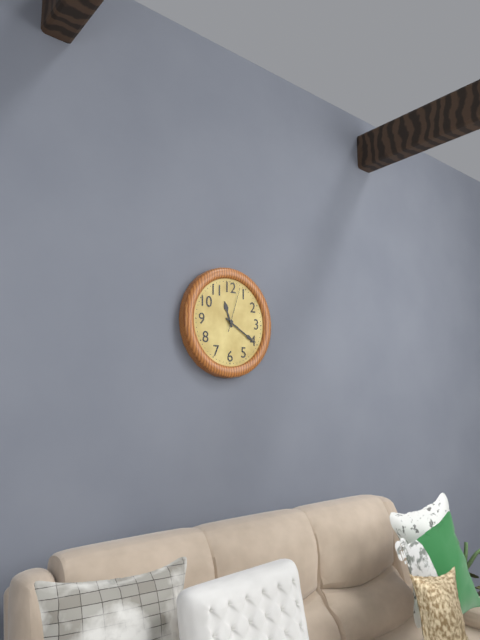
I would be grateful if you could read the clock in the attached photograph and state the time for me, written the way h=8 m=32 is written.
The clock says h=11 m=20
